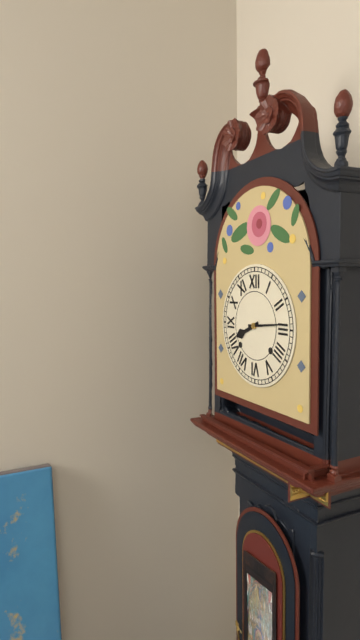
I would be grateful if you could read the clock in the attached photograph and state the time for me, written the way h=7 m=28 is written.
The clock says h=8 m=14
